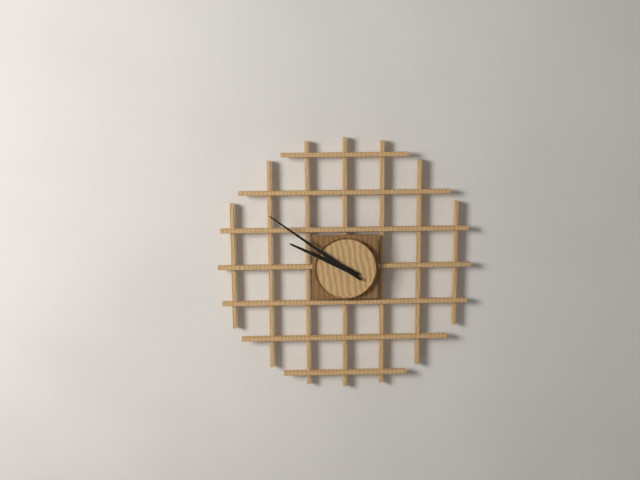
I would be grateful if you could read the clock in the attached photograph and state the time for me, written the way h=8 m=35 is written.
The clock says h=9 m=51
